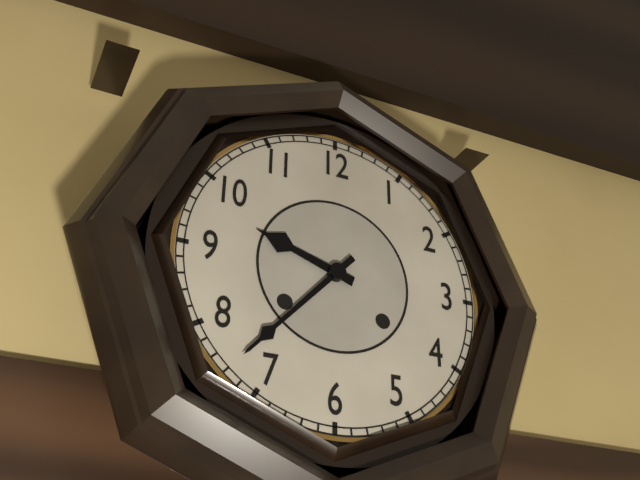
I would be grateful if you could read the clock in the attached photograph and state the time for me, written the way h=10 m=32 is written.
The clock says h=9 m=37
